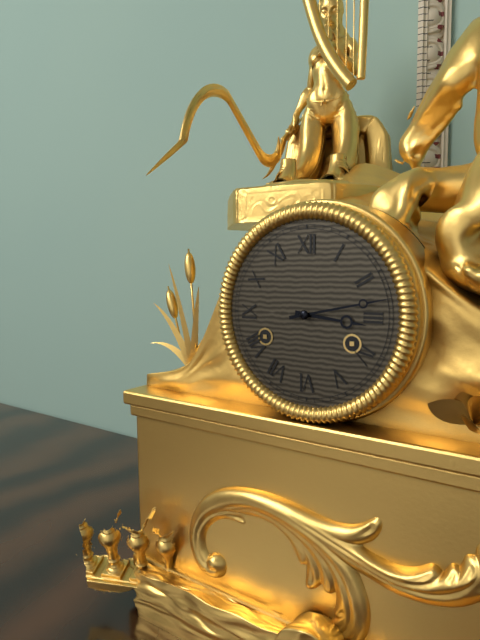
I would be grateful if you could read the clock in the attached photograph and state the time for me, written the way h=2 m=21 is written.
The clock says h=3 m=13
